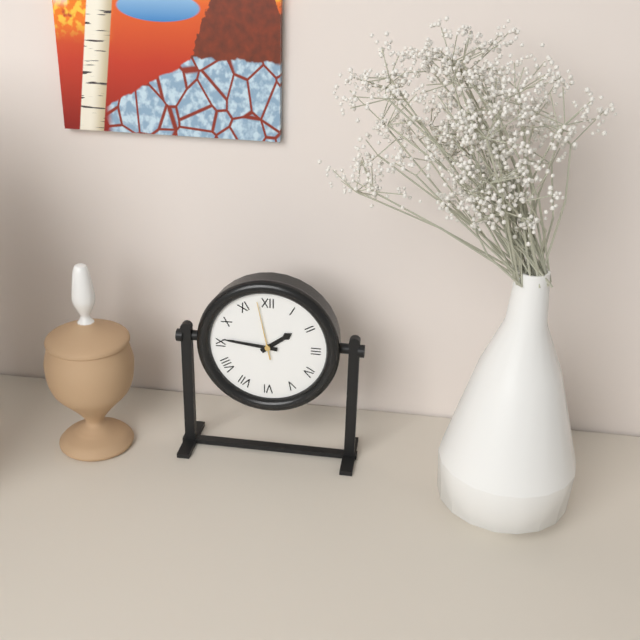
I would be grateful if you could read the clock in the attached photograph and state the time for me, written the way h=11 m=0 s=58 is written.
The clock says h=1 m=46 s=58
